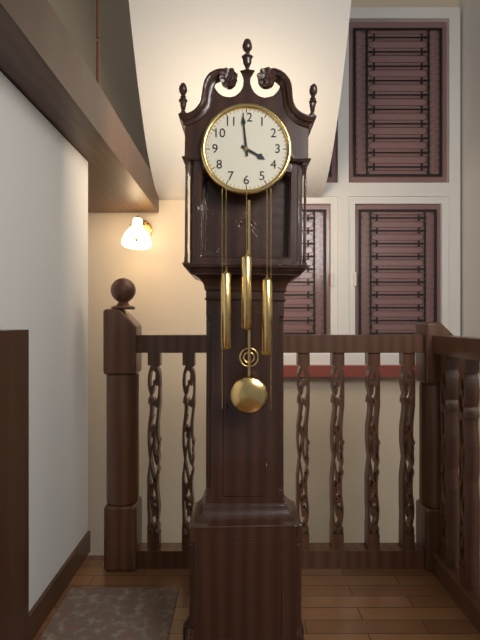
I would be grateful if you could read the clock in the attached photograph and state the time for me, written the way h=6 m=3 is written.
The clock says h=3 m=59
